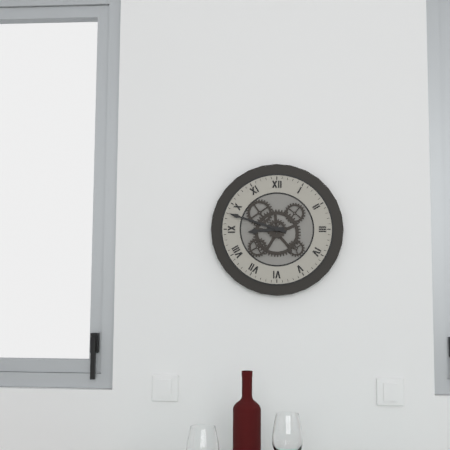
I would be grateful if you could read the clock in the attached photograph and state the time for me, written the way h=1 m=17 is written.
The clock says h=8 m=48
